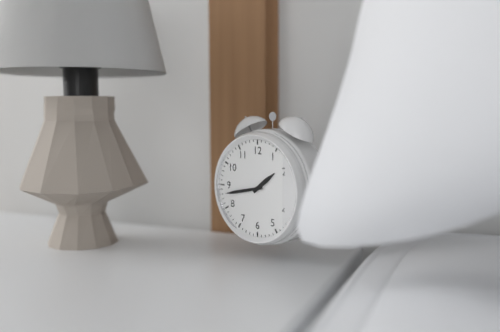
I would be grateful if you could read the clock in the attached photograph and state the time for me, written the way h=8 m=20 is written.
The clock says h=1 m=43
